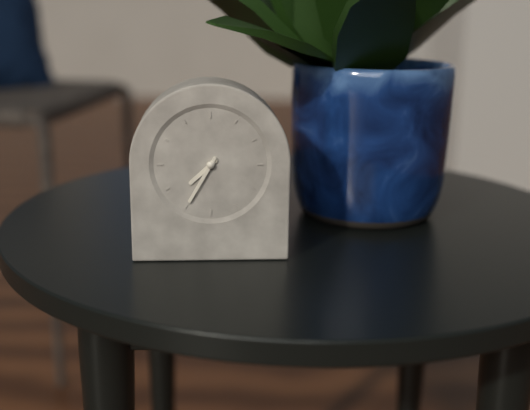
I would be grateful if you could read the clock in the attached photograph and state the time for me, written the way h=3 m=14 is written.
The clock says h=7 m=35
